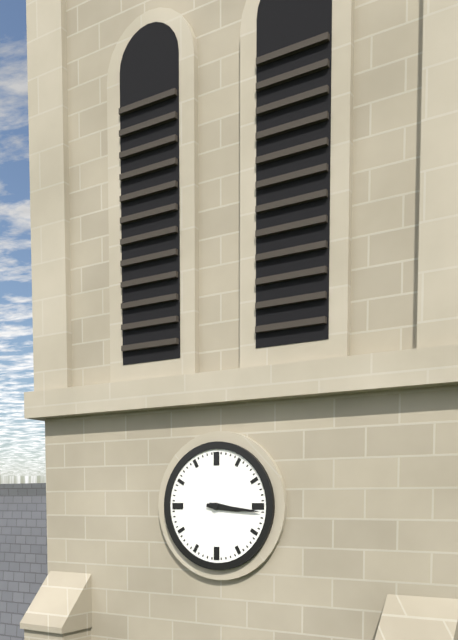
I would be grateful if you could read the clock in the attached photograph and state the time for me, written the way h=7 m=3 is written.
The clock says h=3 m=16
